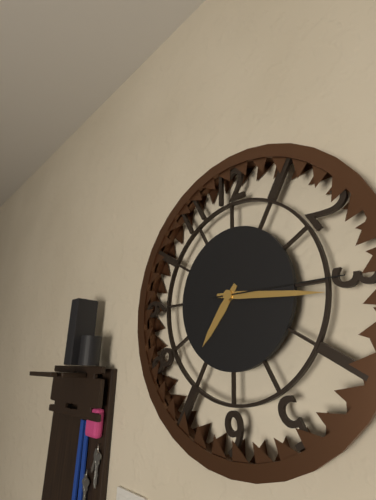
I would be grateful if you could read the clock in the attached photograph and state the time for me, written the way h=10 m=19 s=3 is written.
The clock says h=7 m=16 s=15
